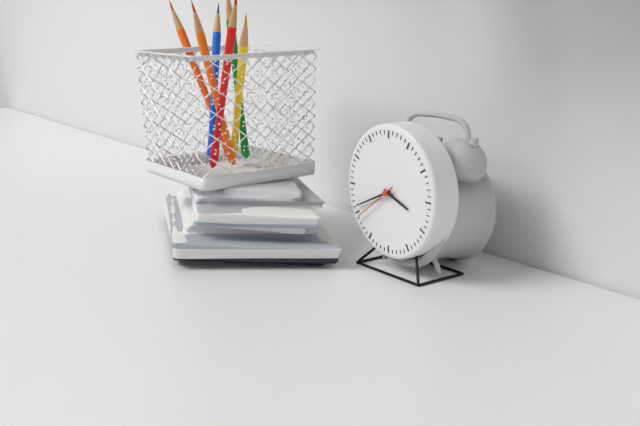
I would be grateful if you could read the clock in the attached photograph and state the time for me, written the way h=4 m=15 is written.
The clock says h=3 m=41
